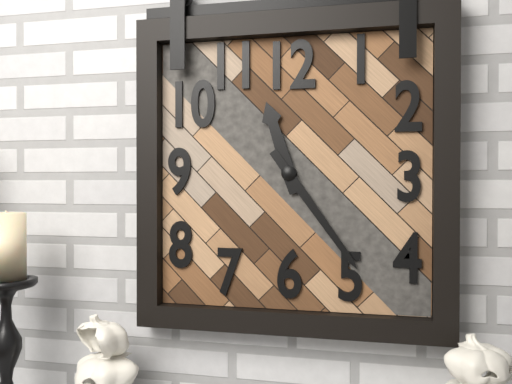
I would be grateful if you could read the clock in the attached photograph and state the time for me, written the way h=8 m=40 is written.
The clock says h=11 m=24
